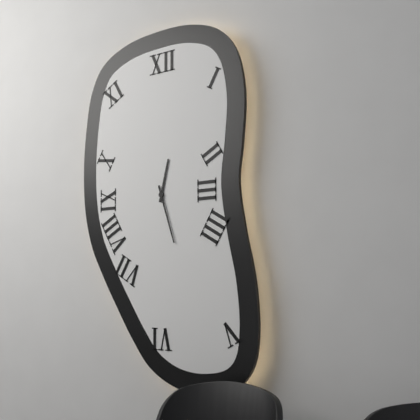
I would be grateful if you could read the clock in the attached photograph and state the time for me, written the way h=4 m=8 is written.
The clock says h=12 m=27
